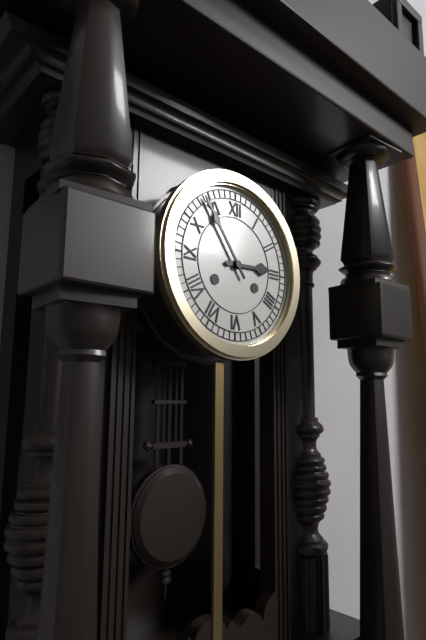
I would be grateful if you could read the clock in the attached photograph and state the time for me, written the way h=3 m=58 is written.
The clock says h=2 m=54
